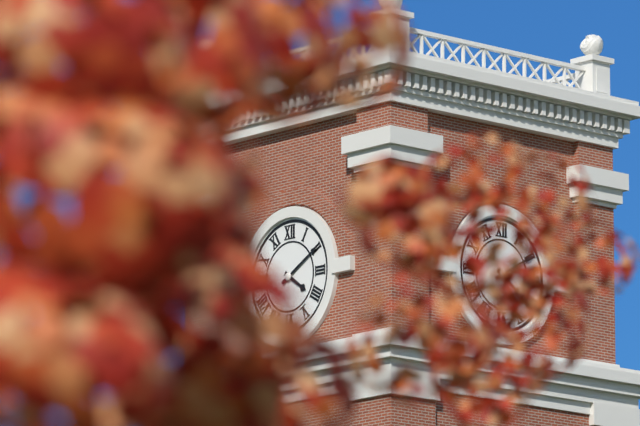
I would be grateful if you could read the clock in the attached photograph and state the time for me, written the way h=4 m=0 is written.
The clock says h=4 m=10
